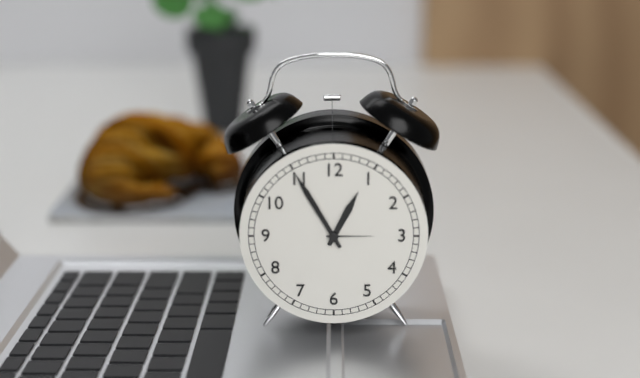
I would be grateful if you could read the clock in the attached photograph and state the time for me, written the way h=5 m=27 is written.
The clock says h=12 m=55
